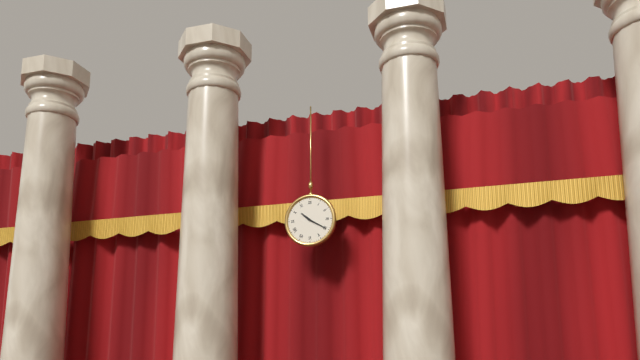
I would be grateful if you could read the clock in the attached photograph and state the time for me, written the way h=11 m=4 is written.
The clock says h=10 m=20
